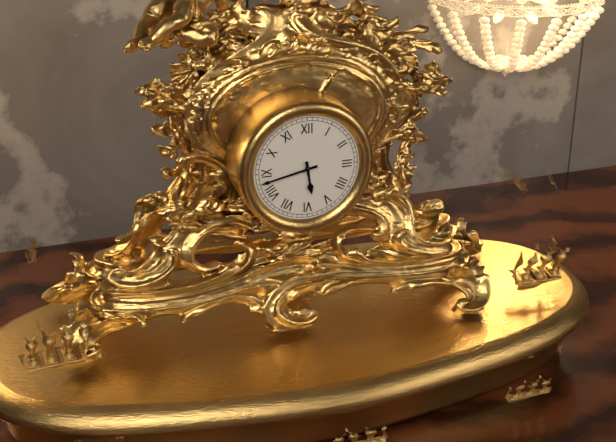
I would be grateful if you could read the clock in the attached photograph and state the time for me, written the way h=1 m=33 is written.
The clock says h=5 m=43
